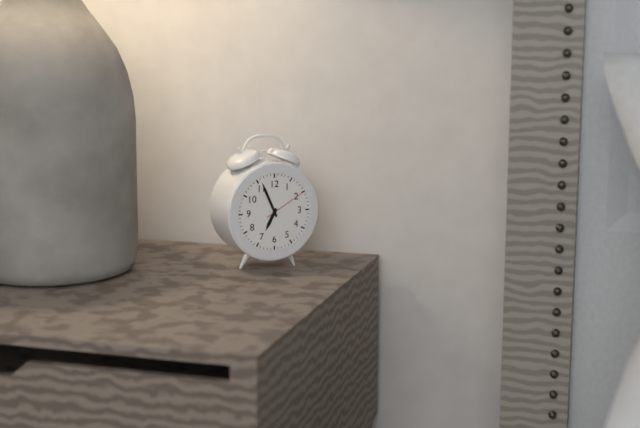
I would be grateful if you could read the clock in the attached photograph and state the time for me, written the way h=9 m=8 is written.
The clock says h=6 m=56
